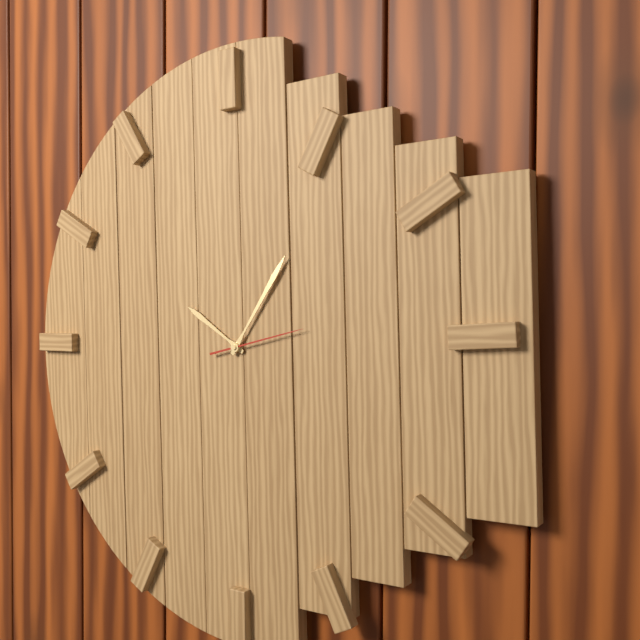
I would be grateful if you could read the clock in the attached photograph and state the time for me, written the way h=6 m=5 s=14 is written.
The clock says h=10 m=6 s=13
